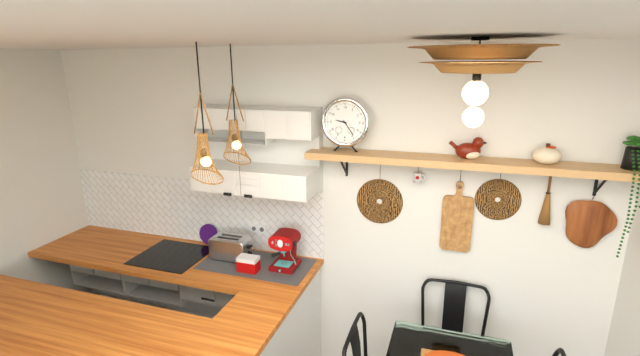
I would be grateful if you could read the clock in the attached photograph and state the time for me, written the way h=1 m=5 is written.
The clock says h=9 m=24
